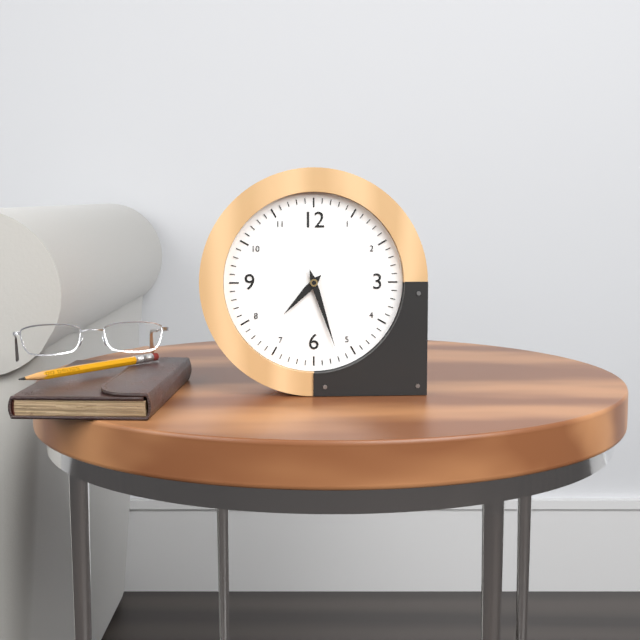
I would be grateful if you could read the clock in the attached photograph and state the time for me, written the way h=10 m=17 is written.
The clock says h=7 m=27
